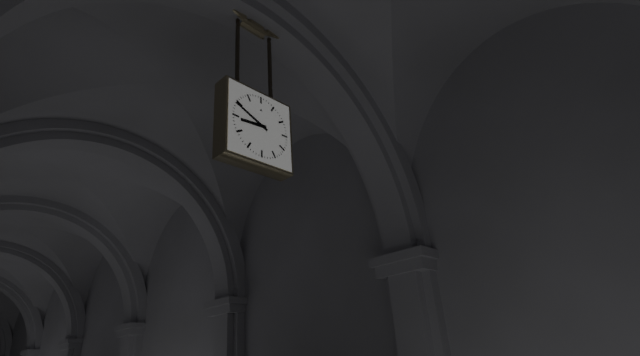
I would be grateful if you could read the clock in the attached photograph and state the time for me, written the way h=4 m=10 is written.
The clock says h=8 m=49
